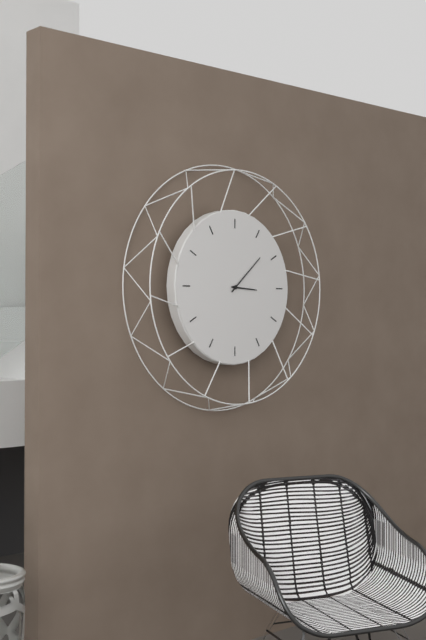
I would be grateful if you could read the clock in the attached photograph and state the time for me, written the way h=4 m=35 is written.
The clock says h=3 m=8
